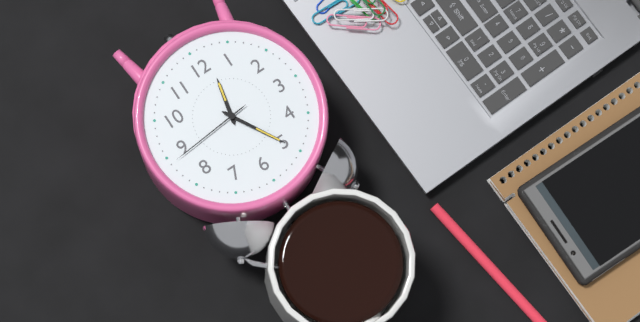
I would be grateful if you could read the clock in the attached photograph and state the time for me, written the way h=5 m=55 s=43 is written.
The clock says h=12 m=25 s=44
